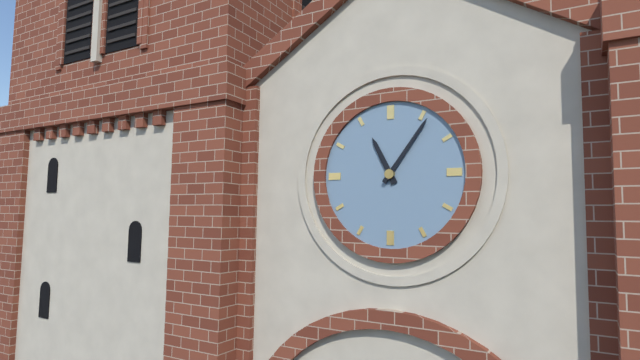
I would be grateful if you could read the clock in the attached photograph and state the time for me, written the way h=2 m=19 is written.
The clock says h=11 m=6
